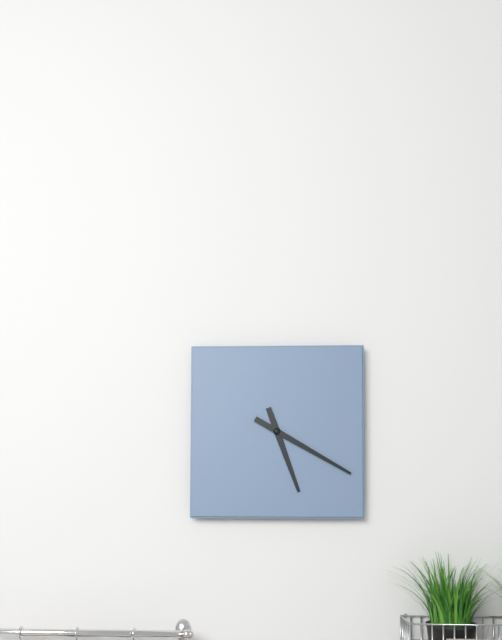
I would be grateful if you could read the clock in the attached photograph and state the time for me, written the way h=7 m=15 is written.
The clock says h=5 m=20
